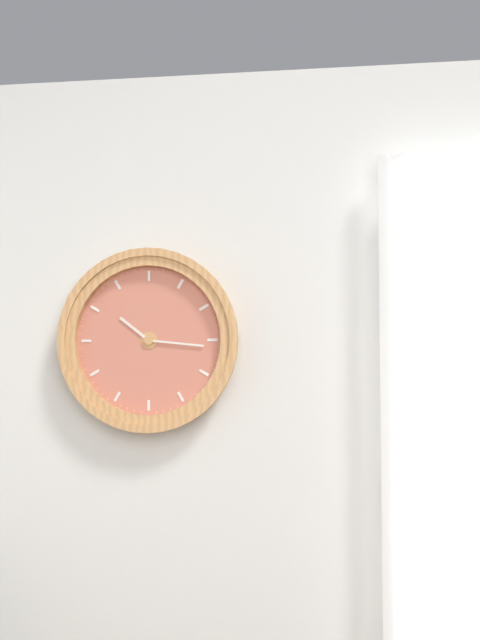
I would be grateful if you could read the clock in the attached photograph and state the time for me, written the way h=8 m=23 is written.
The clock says h=10 m=16
